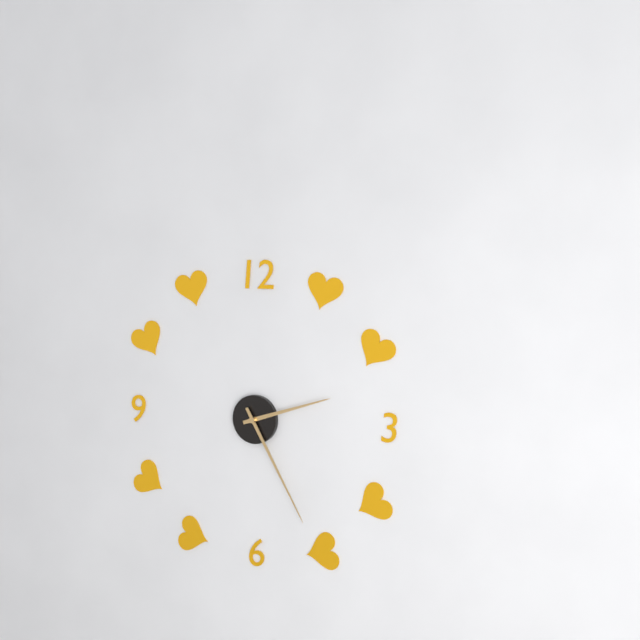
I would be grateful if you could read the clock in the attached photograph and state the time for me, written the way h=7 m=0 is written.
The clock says h=2 m=25
